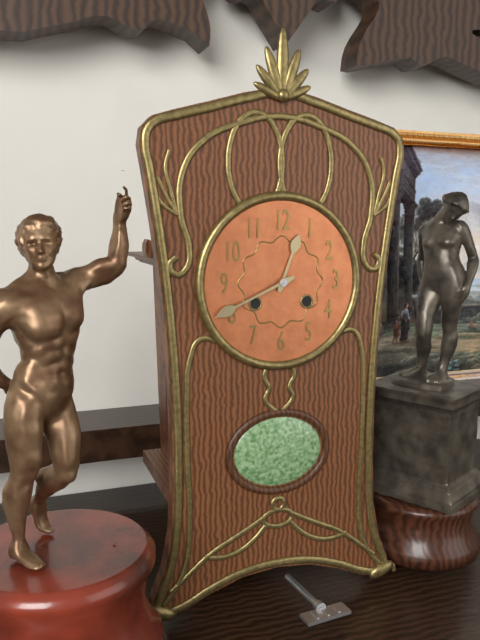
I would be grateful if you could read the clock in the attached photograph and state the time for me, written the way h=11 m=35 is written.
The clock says h=12 m=41
